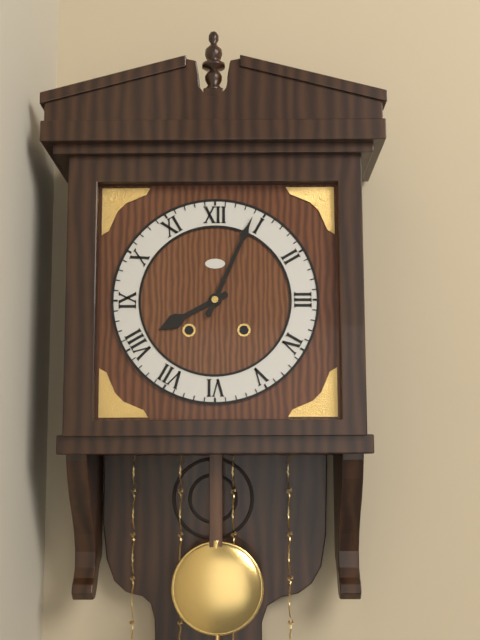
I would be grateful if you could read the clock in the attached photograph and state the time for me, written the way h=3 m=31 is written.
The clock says h=8 m=4
